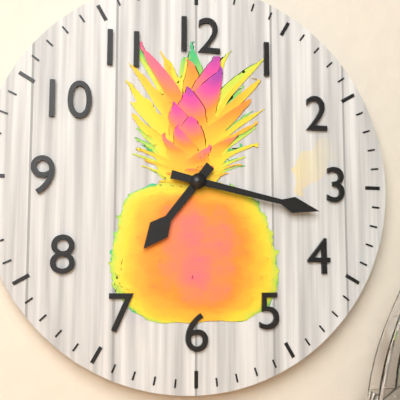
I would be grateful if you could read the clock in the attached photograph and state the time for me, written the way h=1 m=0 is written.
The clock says h=7 m=17
